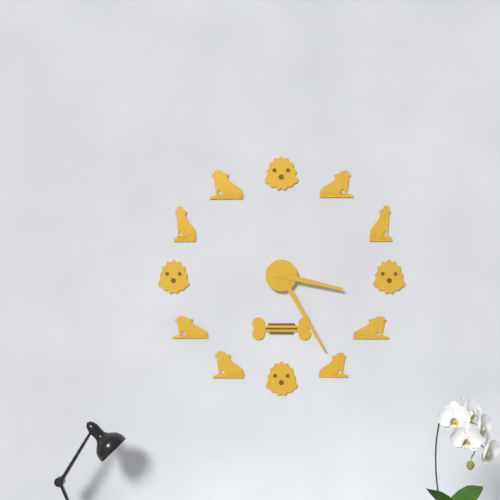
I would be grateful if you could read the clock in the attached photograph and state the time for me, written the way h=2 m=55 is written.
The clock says h=3 m=25
